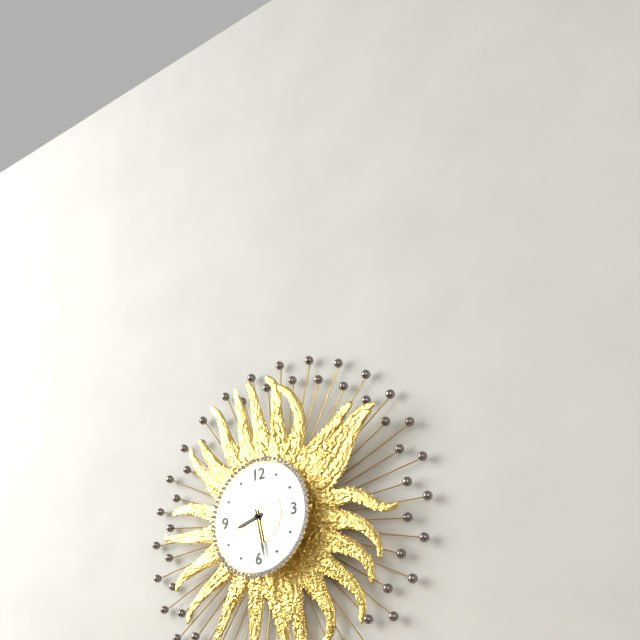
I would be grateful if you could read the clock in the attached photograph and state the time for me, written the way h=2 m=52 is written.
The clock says h=8 m=28
